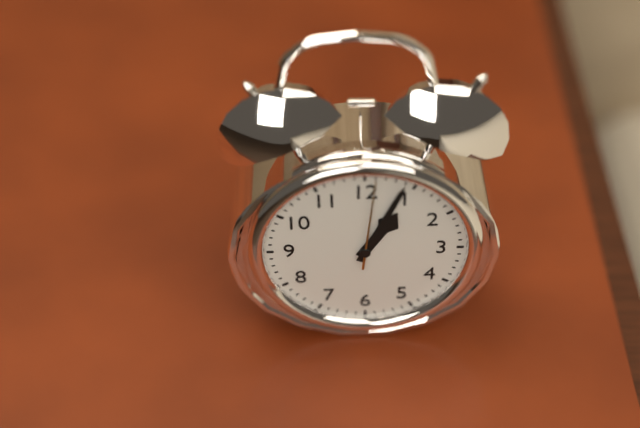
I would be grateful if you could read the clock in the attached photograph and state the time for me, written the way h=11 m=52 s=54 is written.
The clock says h=1 m=4 s=1
